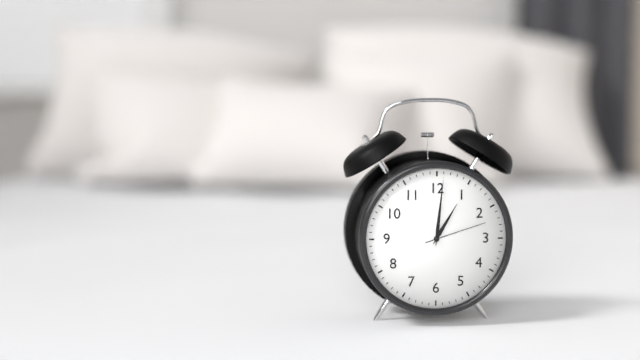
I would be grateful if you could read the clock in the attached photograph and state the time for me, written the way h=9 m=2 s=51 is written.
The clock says h=1 m=1 s=12
